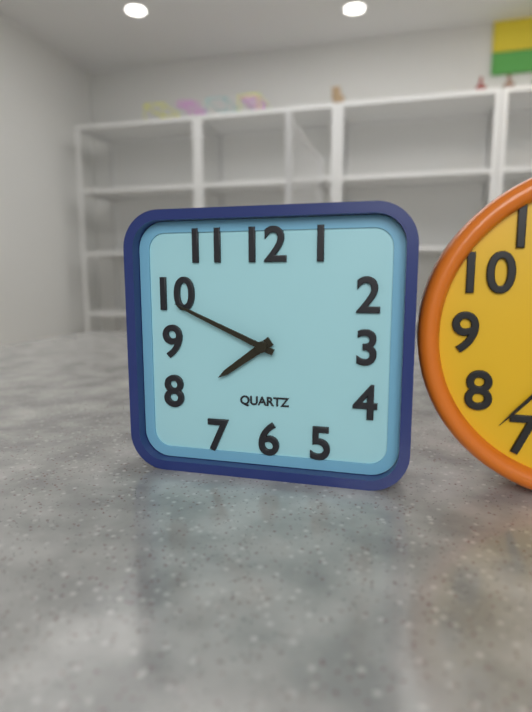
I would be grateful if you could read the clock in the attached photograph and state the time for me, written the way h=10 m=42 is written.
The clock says h=7 m=49
